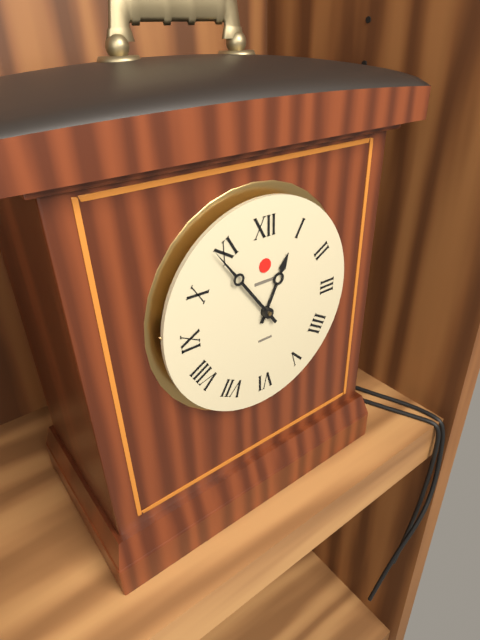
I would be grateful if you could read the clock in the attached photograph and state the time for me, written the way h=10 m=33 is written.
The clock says h=12 m=54
